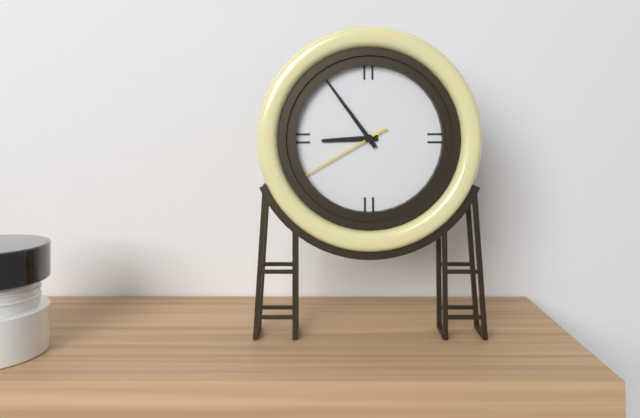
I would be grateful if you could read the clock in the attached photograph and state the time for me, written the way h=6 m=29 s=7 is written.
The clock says h=8 m=54 s=40
